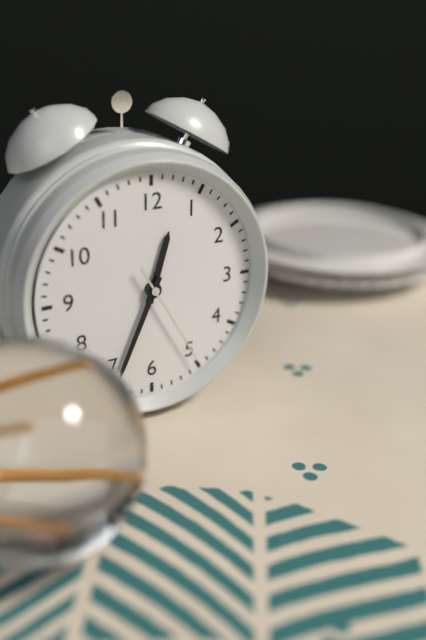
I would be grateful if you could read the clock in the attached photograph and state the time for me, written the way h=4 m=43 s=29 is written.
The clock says h=12 m=34 s=25
